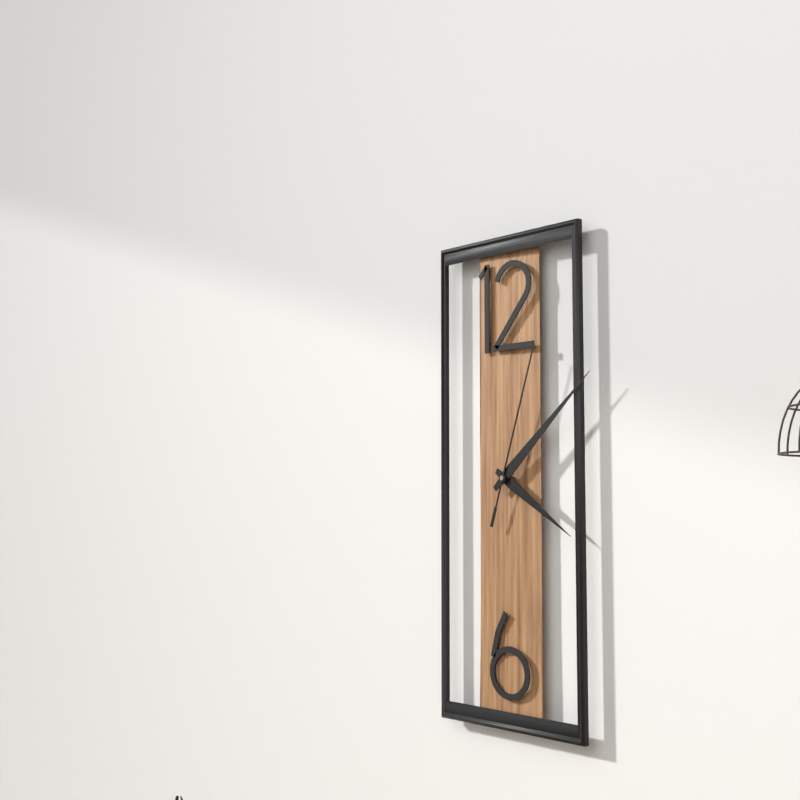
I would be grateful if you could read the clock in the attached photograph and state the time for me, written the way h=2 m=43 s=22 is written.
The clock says h=4 m=8 s=3
